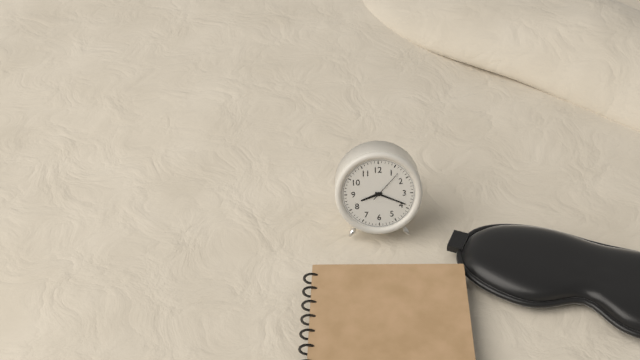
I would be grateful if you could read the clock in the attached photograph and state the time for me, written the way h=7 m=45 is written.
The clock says h=8 m=19
